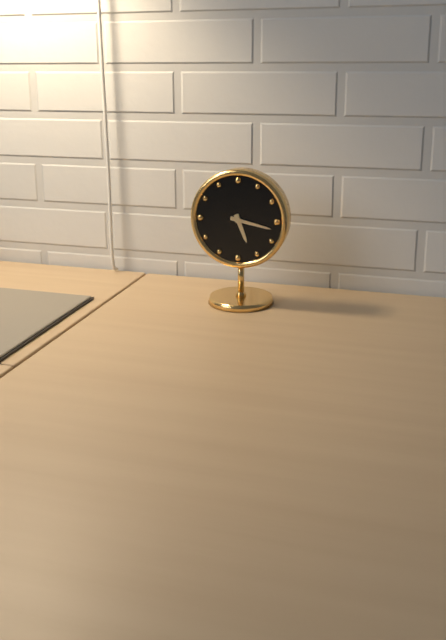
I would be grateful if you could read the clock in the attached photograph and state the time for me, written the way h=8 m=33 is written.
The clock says h=5 m=17
